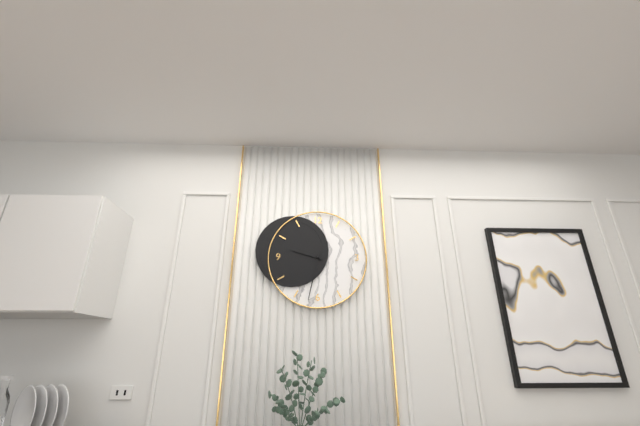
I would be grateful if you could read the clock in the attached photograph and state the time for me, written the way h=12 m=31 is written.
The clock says h=9 m=32
